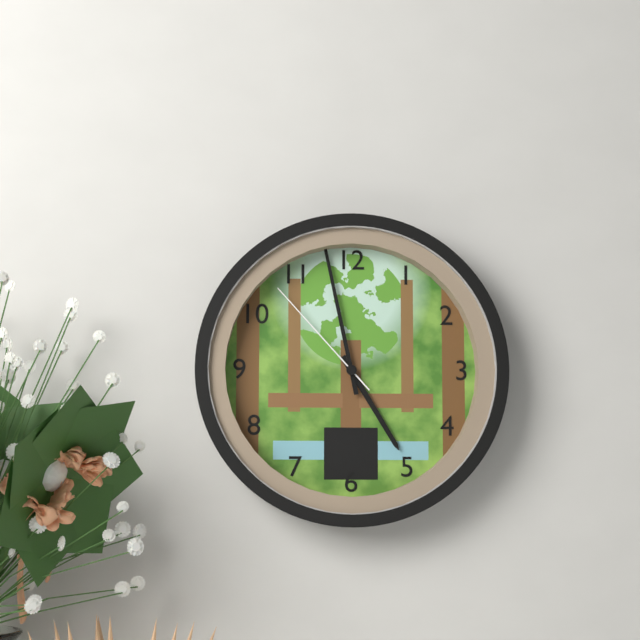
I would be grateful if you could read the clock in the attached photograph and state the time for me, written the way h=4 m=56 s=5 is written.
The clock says h=4 m=58 s=53
